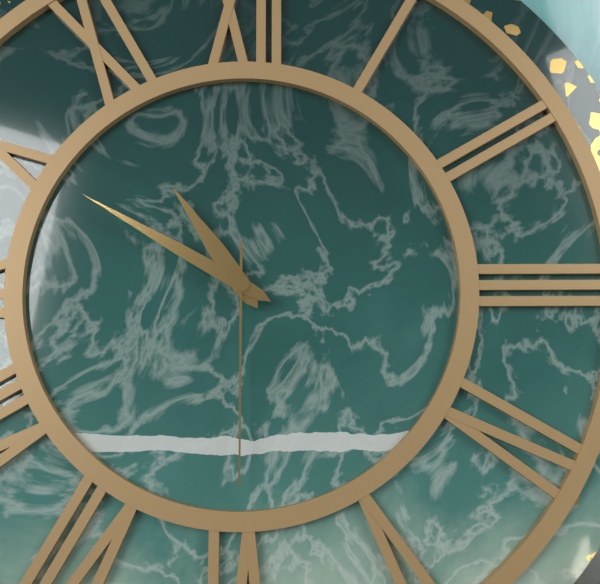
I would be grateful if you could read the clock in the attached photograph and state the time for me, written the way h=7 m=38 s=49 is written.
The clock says h=10 m=50 s=30
